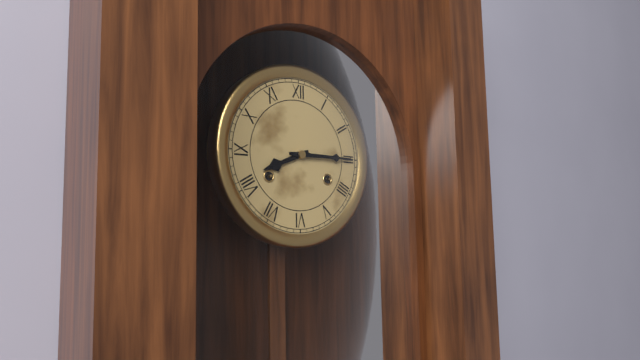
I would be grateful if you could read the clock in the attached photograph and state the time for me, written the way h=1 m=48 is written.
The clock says h=8 m=15
